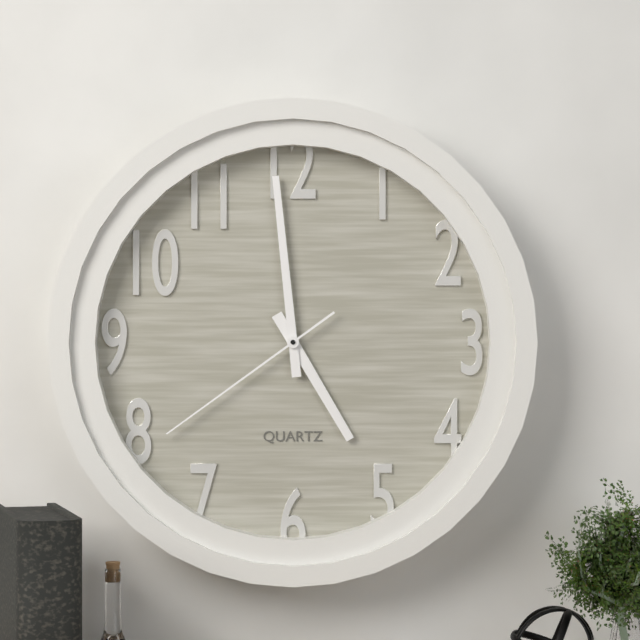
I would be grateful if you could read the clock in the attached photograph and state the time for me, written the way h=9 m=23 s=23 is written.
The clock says h=4 m=59 s=39
